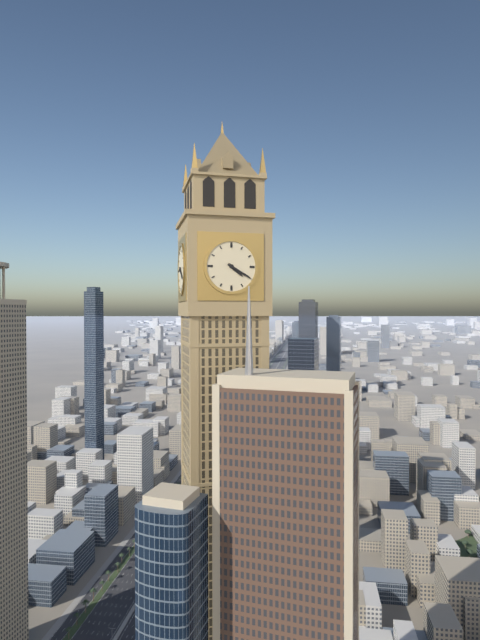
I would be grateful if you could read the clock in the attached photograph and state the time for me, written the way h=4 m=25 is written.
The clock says h=4 m=20
